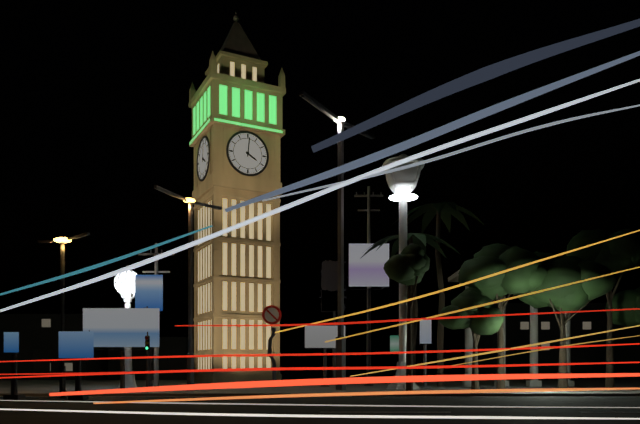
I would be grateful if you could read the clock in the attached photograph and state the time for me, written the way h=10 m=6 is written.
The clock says h=4 m=1
